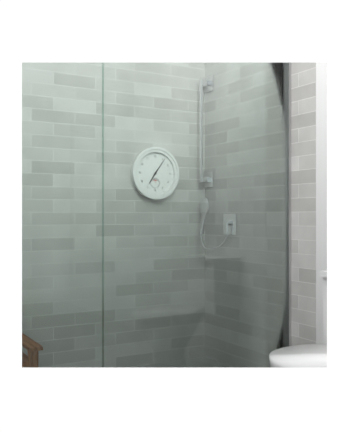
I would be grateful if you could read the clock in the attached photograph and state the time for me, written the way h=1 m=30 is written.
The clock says h=7 m=6
